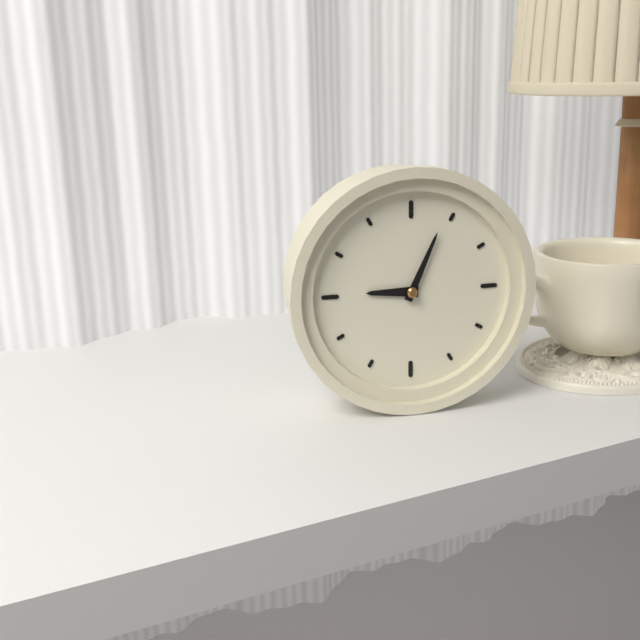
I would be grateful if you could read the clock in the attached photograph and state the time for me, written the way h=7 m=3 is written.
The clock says h=9 m=4
